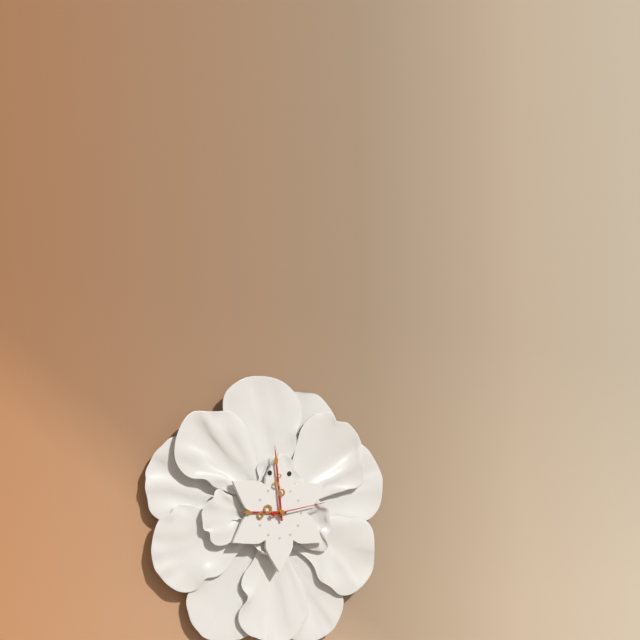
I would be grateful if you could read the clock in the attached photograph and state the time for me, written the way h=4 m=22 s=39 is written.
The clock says h=8 m=59 s=13
